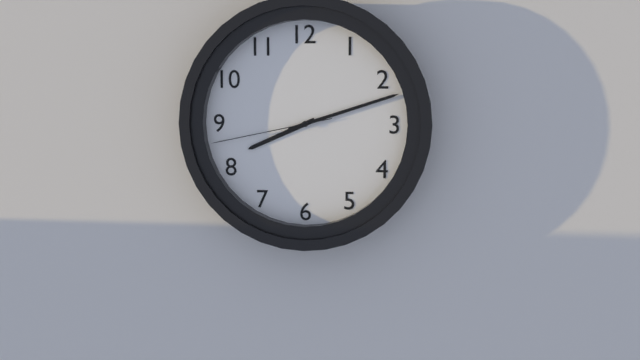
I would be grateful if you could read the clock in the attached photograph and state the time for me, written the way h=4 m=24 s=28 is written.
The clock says h=8 m=12 s=43
